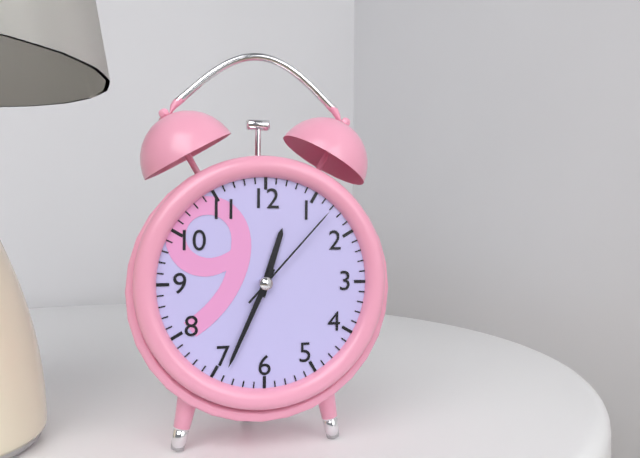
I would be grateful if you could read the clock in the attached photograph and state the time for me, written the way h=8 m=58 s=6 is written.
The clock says h=12 m=34 s=7
